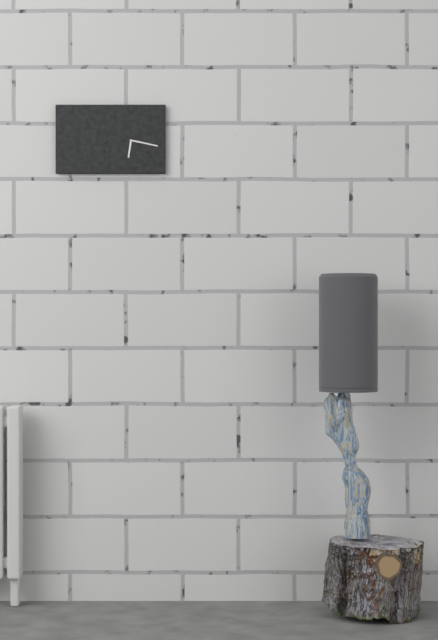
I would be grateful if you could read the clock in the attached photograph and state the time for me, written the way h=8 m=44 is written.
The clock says h=6 m=17
